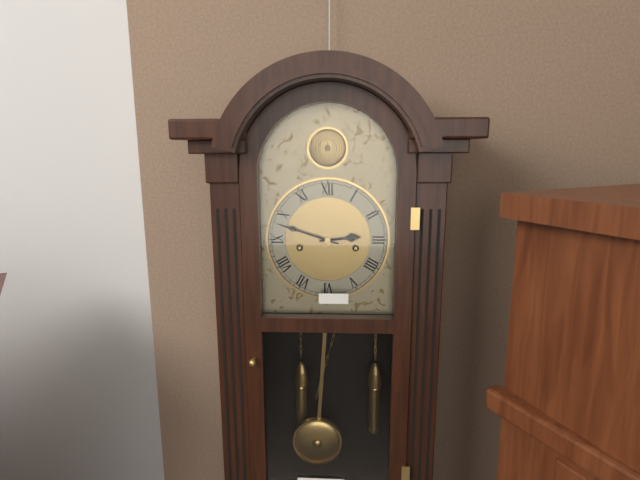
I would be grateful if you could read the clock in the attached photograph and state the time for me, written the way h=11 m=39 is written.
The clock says h=2 m=48
